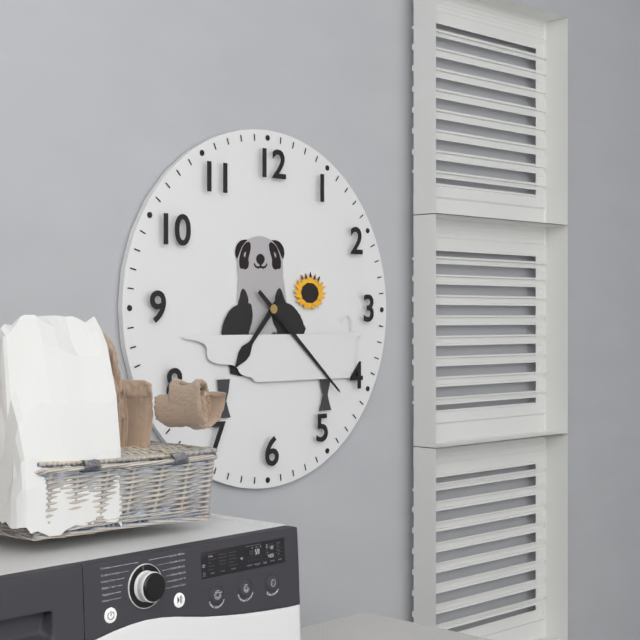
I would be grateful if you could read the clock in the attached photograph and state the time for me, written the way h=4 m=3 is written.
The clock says h=7 m=22
